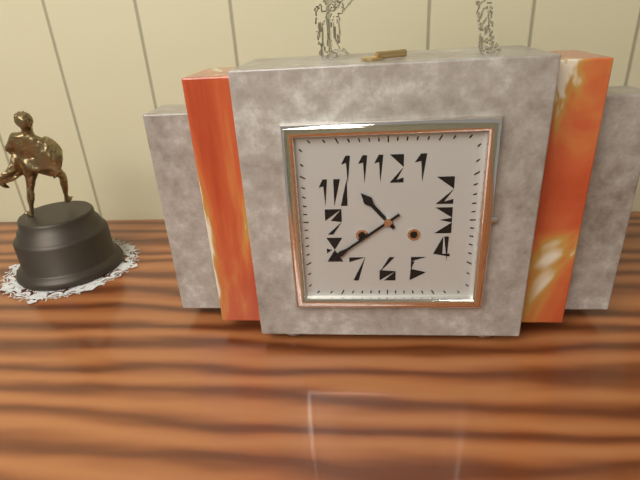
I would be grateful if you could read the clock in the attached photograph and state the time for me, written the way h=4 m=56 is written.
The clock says h=10 m=39
